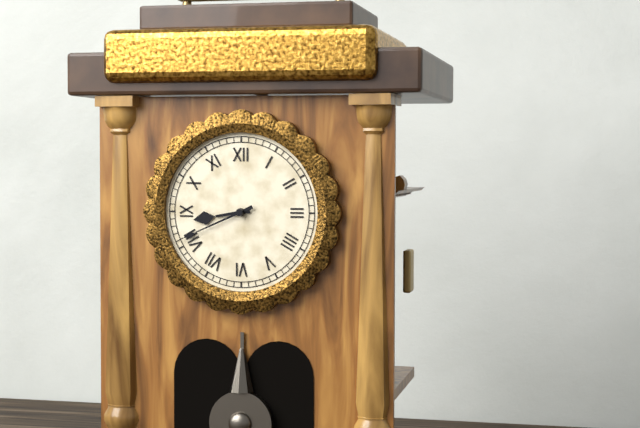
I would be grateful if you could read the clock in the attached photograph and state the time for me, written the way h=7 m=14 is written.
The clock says h=8 m=41
